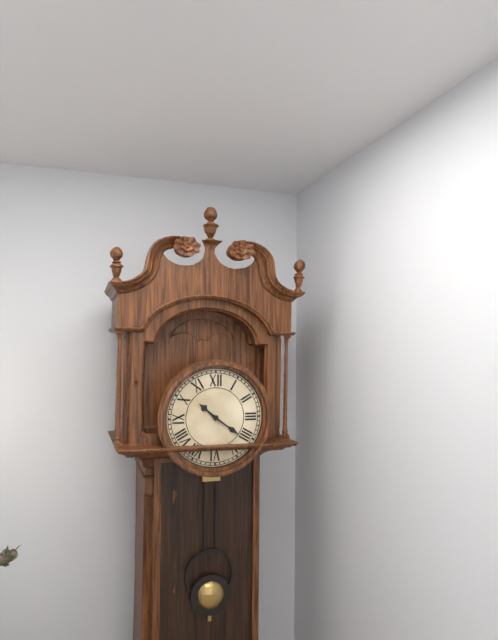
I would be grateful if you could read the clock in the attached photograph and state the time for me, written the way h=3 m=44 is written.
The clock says h=10 m=21
